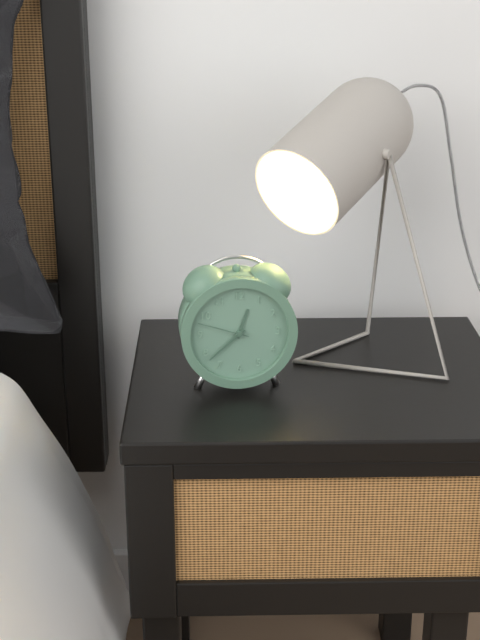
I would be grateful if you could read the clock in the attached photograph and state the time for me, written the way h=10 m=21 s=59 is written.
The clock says h=12 m=38 s=48
